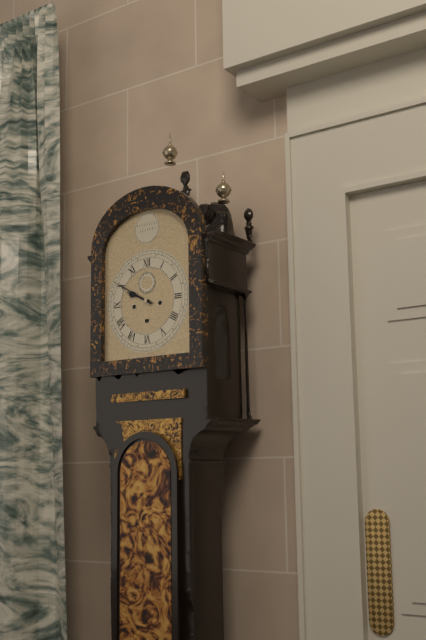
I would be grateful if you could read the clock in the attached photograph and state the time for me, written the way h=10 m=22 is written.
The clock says h=9 m=50
